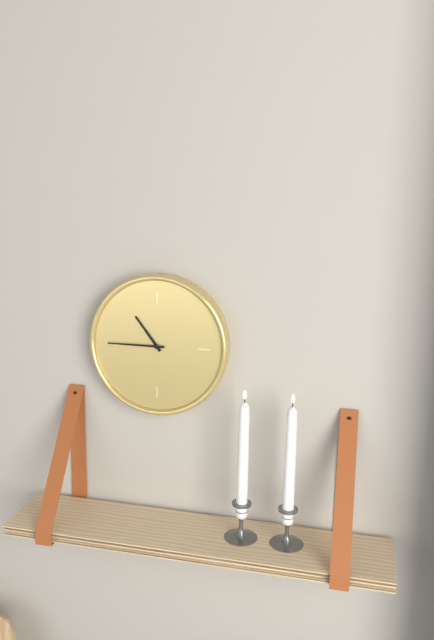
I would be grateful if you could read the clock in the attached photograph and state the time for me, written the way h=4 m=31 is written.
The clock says h=10 m=45
